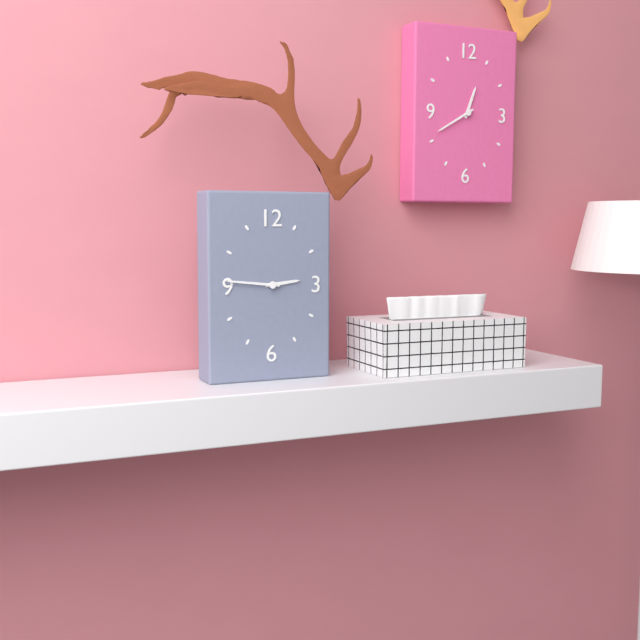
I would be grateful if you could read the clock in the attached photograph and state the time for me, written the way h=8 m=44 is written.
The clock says h=2 m=46
